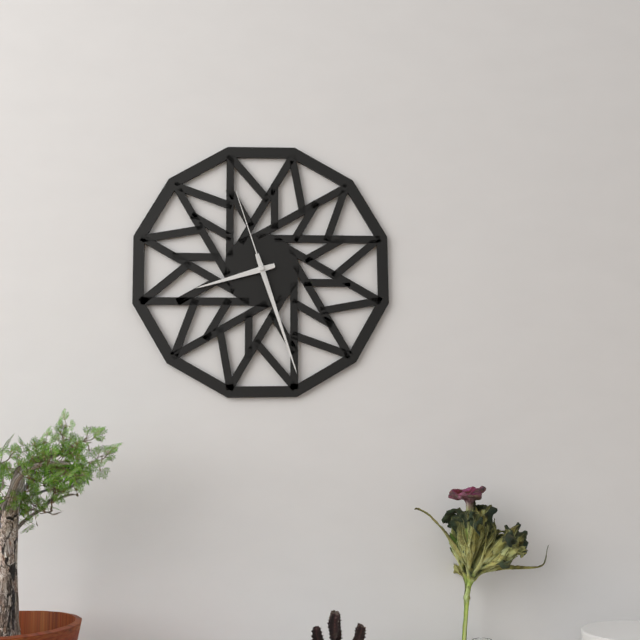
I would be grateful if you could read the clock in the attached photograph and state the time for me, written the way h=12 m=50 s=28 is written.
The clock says h=8 m=27 s=57
